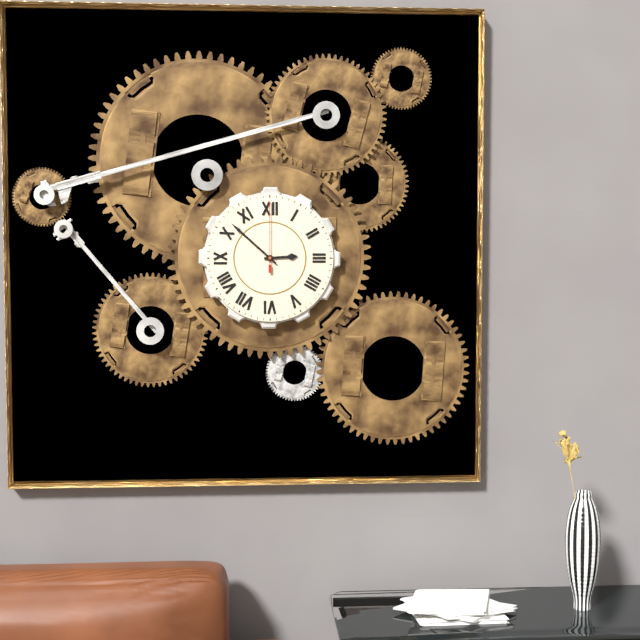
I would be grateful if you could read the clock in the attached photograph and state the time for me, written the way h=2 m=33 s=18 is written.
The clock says h=2 m=52 s=0
